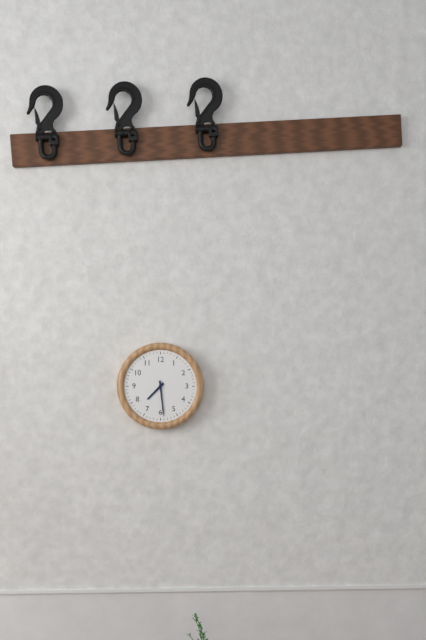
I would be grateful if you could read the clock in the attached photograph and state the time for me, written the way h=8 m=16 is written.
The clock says h=7 m=29
